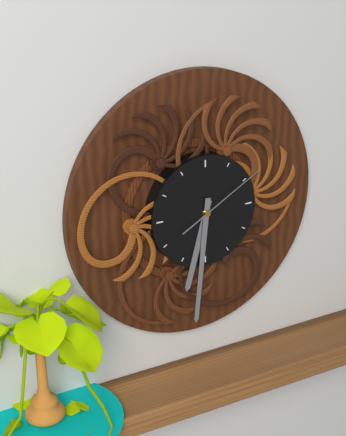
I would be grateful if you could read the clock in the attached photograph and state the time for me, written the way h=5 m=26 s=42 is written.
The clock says h=6 m=31 s=10
